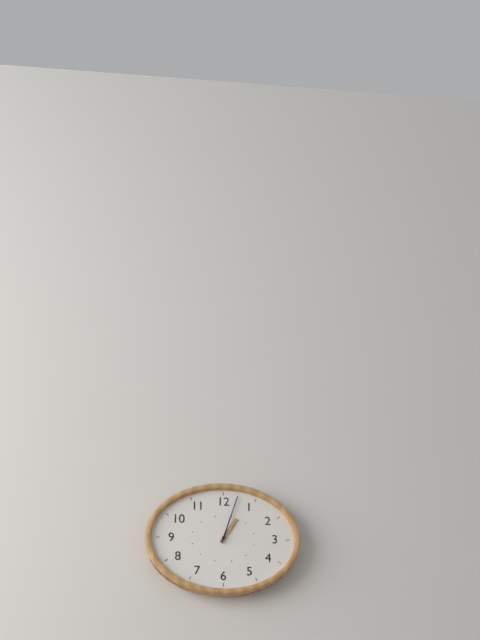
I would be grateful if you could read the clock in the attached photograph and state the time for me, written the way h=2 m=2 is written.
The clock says h=1 m=3
